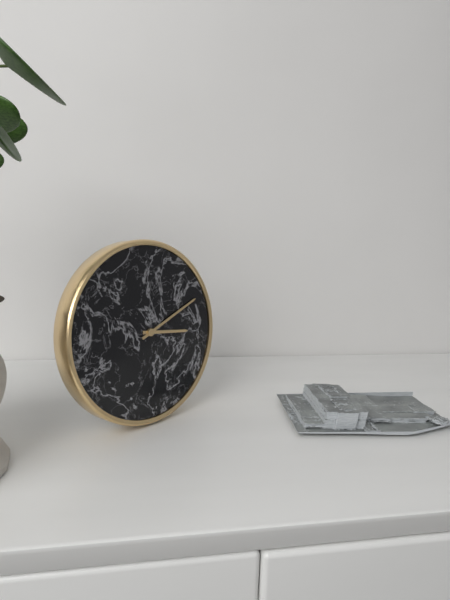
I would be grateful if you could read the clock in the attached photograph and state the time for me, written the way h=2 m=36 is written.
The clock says h=3 m=11
